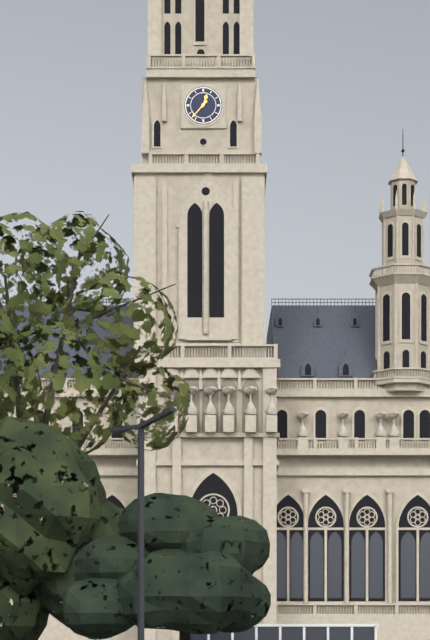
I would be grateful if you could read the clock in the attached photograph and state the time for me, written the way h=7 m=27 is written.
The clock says h=12 m=37
